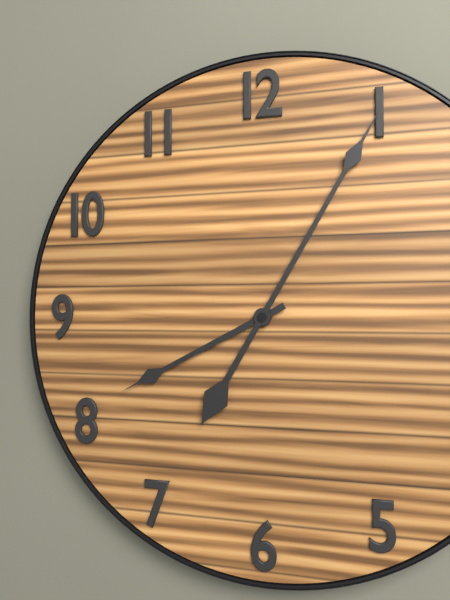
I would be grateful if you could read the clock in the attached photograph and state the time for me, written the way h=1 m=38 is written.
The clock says h=8 m=5
